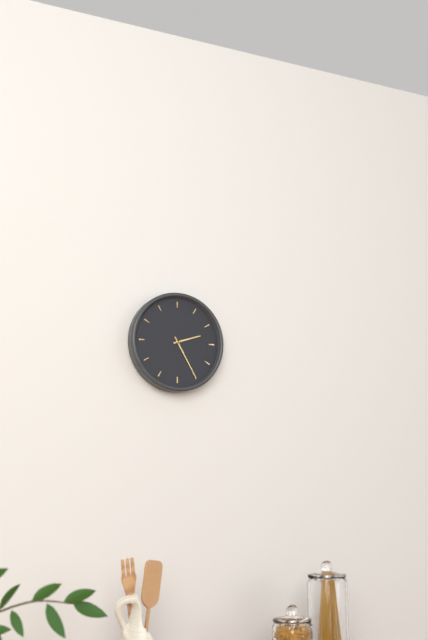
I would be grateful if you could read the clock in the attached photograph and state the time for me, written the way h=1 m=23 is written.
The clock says h=2 m=25
